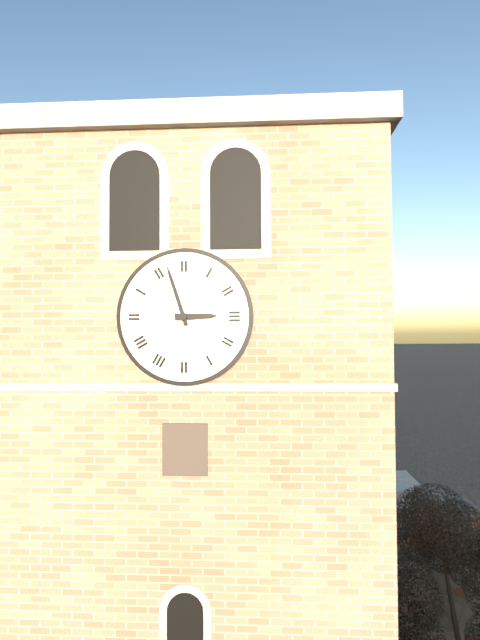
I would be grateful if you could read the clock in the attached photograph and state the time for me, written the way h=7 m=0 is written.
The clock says h=2 m=57
